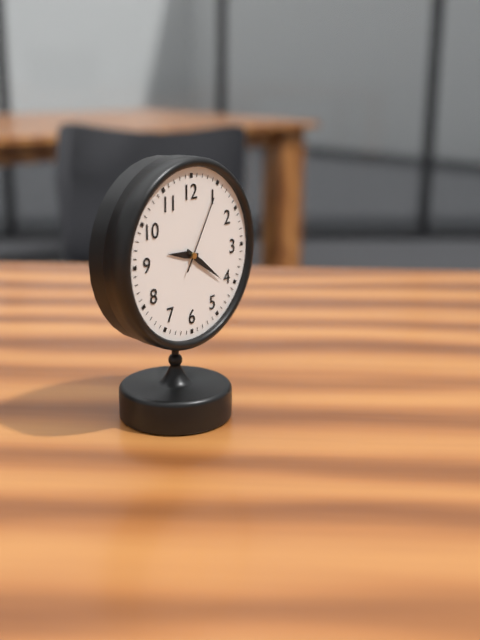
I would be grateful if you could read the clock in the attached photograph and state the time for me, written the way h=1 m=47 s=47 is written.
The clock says h=9 m=21 s=5
